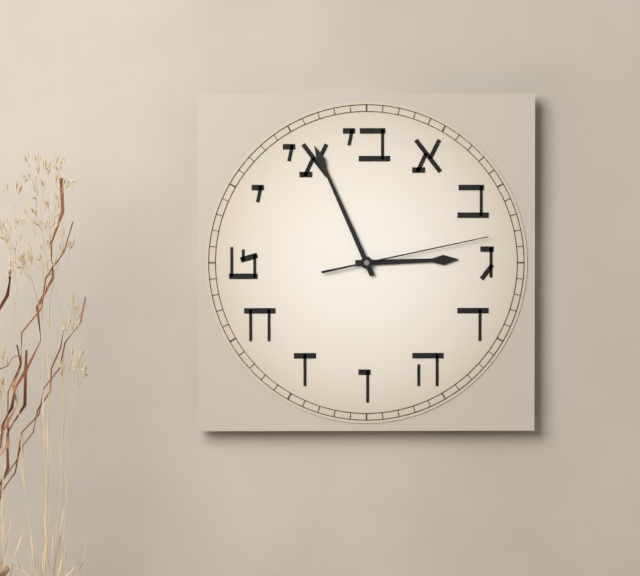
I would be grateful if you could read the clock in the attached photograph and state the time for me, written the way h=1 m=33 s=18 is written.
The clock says h=2 m=56 s=13
